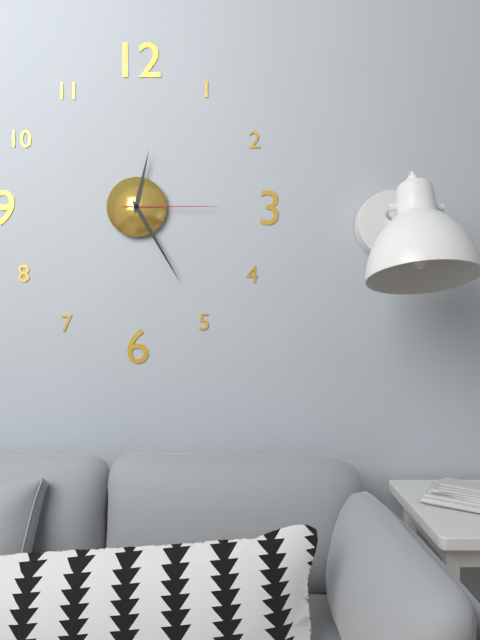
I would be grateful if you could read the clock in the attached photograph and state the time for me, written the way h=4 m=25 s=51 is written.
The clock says h=12 m=25 s=15
